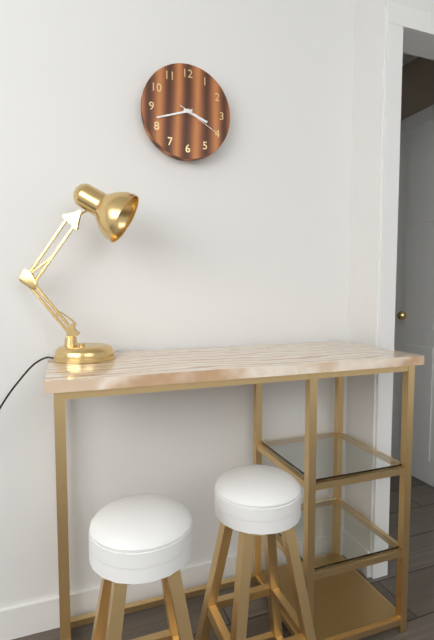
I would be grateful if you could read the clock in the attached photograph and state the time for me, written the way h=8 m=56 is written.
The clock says h=3 m=42
